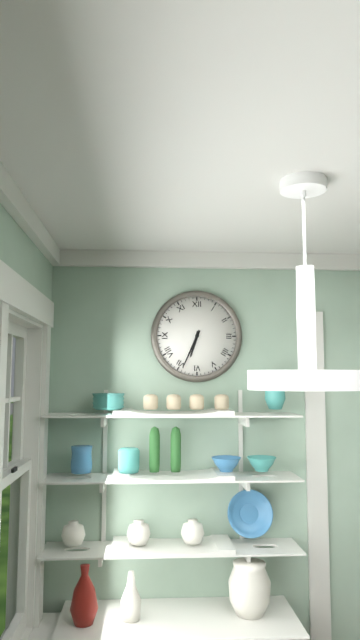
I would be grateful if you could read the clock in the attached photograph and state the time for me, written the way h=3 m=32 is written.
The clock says h=6 m=34
